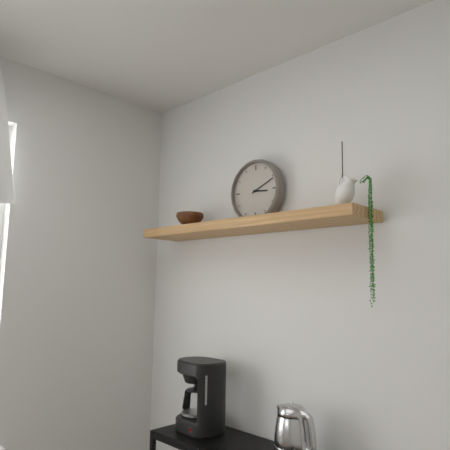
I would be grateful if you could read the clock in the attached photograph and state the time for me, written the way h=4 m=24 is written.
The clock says h=3 m=11
